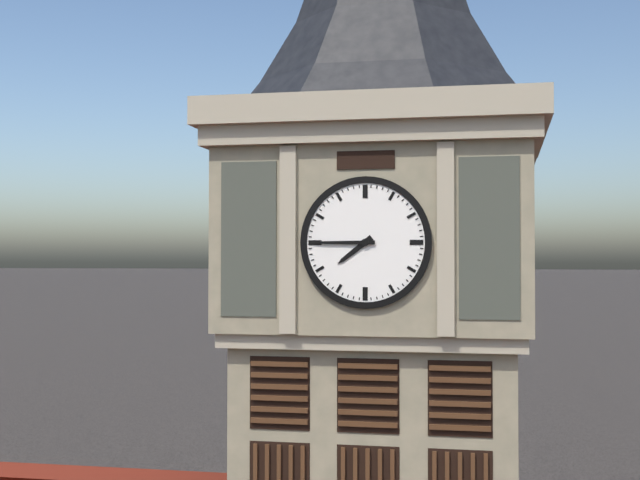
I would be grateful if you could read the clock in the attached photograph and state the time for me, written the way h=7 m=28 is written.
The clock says h=7 m=45
